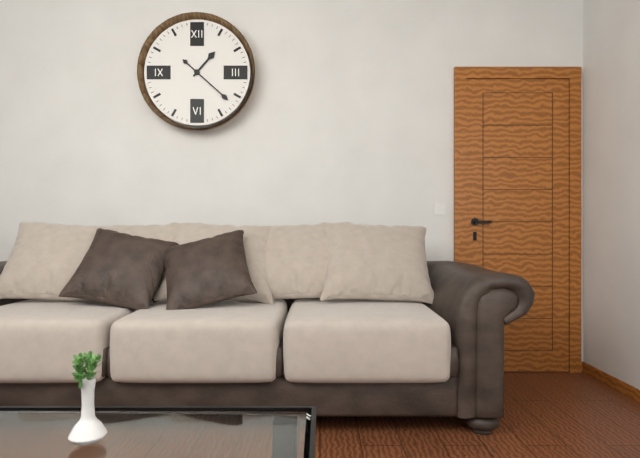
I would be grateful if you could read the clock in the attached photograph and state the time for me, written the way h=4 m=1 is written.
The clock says h=1 m=22
